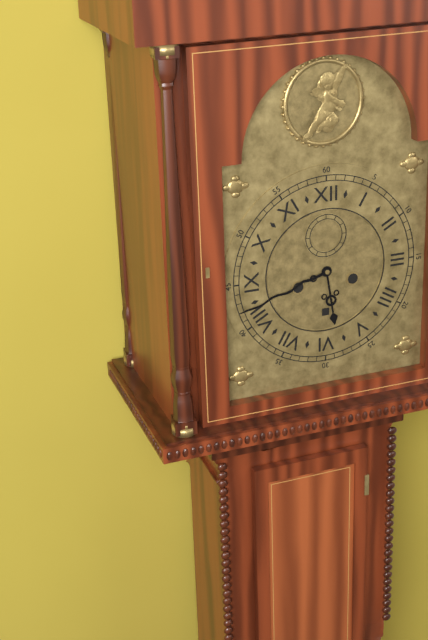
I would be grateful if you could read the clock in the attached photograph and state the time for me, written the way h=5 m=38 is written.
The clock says h=5 m=42
